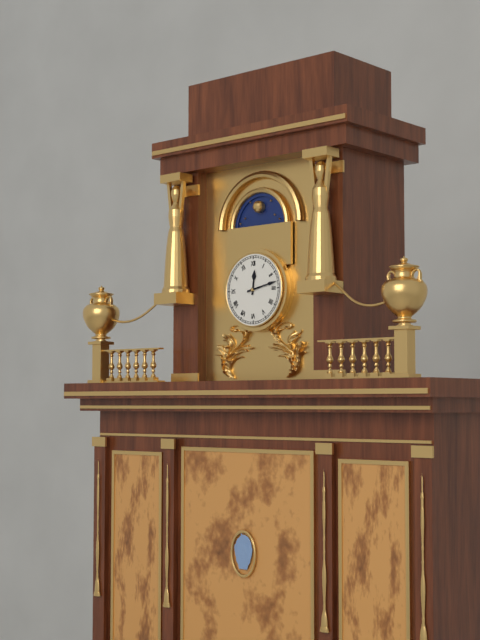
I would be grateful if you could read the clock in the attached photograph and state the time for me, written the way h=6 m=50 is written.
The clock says h=12 m=13
